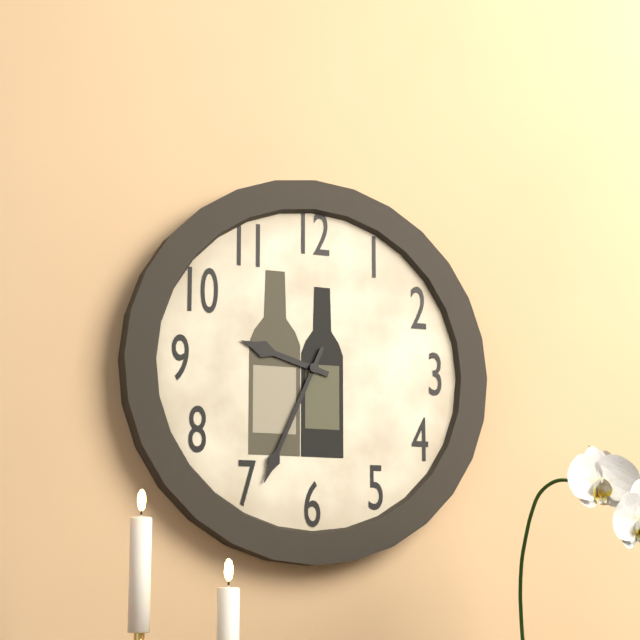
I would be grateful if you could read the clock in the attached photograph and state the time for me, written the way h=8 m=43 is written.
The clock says h=9 m=34
